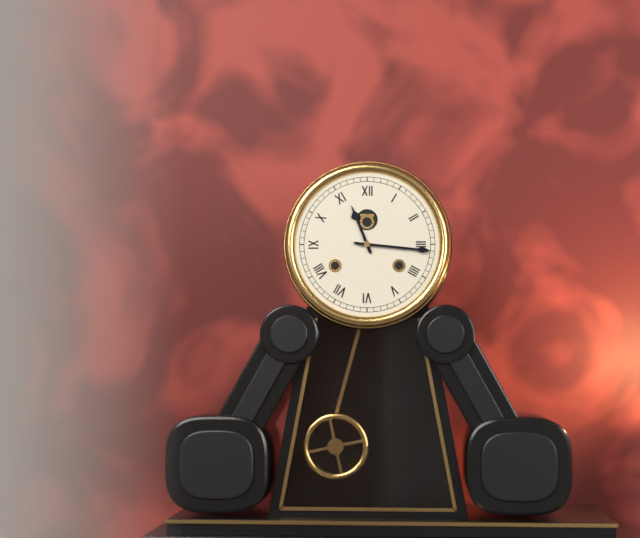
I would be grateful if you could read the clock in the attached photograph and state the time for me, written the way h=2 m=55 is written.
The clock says h=11 m=16
